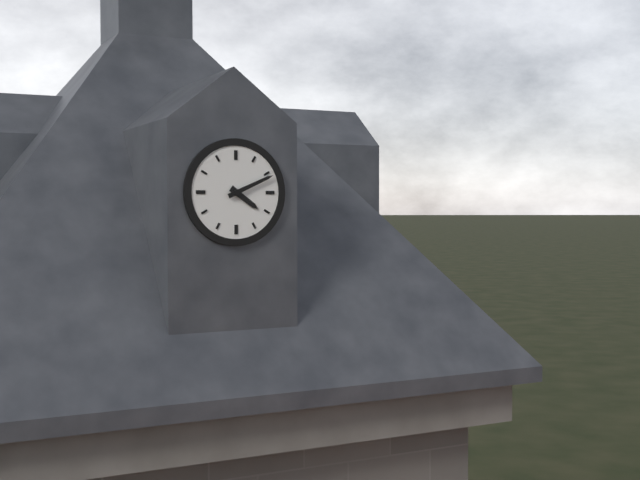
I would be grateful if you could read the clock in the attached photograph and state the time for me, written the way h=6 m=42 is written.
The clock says h=4 m=11
